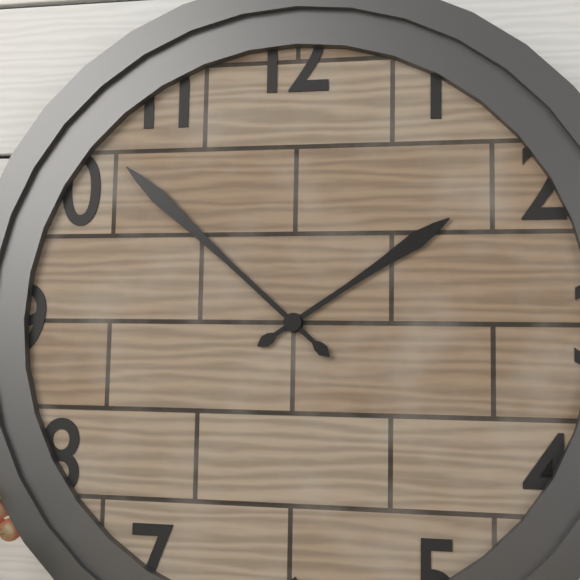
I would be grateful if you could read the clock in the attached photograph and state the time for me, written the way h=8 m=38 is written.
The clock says h=1 m=52
